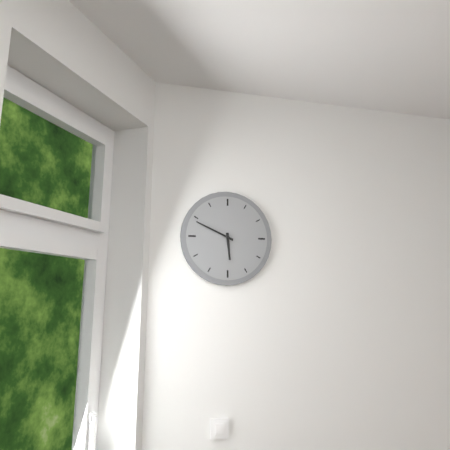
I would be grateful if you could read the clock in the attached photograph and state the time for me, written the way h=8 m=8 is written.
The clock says h=5 m=49
